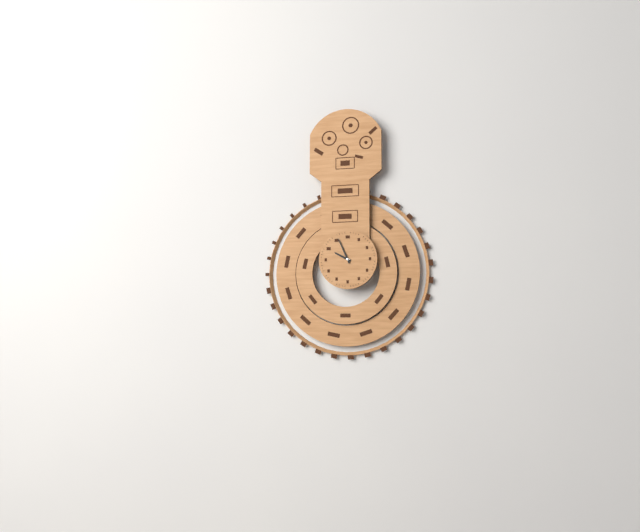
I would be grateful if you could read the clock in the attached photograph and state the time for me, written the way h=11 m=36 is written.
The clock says h=9 m=56
